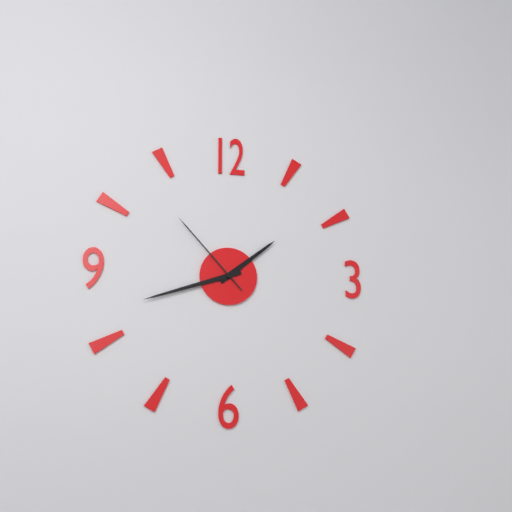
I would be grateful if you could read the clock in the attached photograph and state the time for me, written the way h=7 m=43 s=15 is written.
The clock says h=1 m=42 s=53
